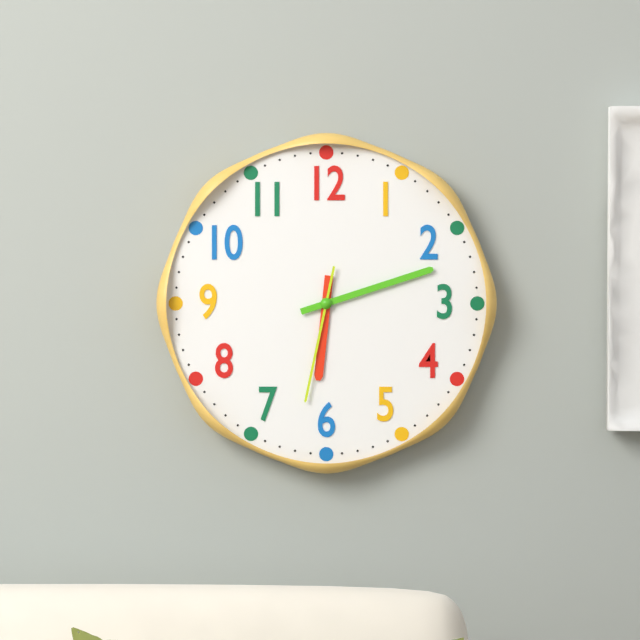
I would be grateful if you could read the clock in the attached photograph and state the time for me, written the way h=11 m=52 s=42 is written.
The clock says h=6 m=12 s=32
